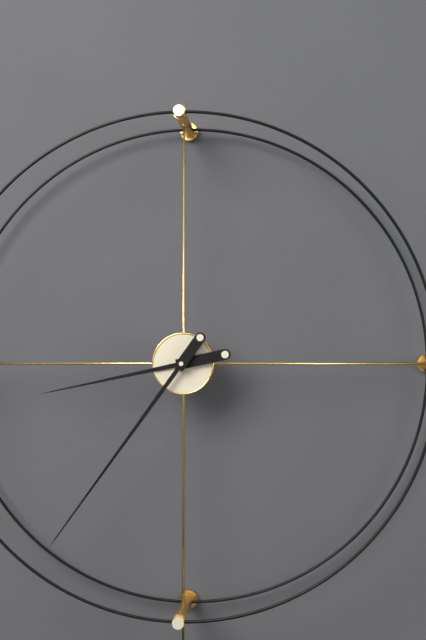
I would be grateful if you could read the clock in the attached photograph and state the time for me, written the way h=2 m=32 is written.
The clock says h=8 m=36
